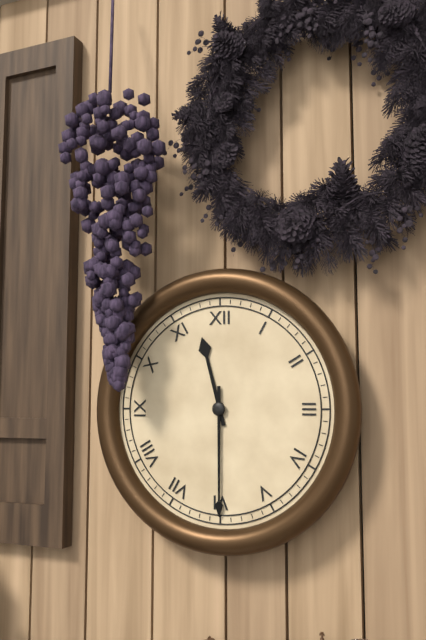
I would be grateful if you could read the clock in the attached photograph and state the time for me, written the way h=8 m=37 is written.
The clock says h=11 m=30
